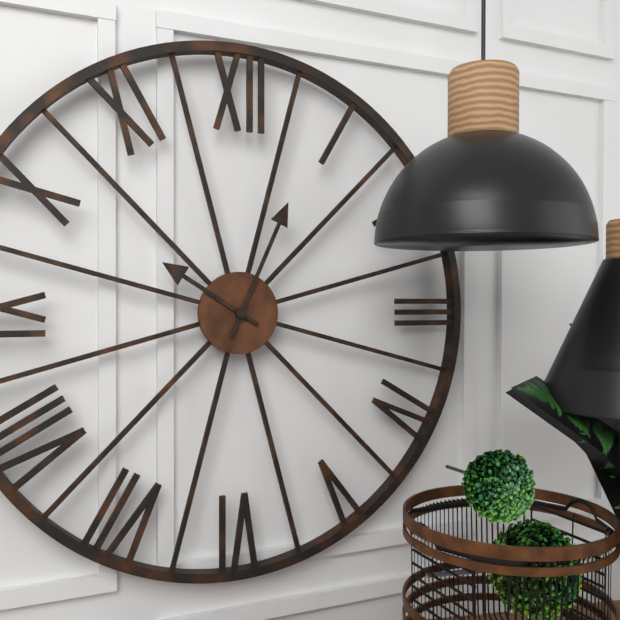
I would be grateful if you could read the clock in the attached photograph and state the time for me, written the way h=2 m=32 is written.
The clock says h=10 m=4
